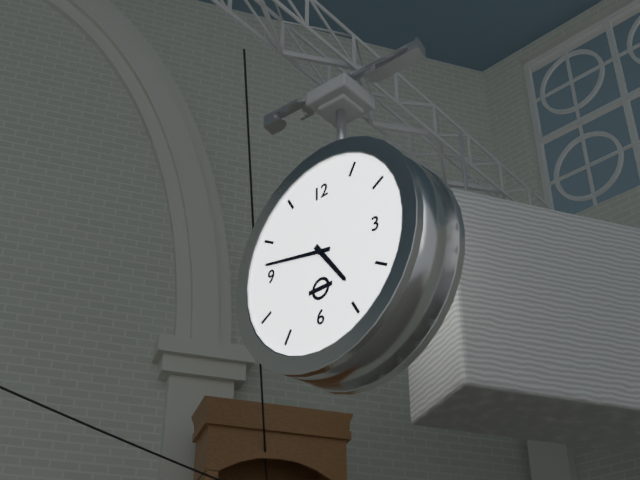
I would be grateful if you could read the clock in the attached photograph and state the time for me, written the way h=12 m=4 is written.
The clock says h=4 m=47
